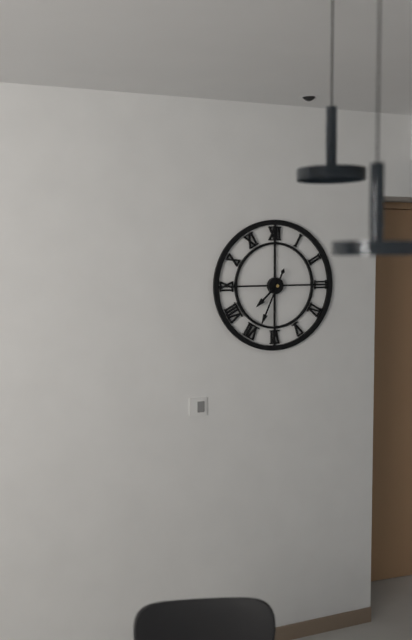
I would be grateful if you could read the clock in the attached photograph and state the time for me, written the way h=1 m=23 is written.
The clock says h=7 m=34
